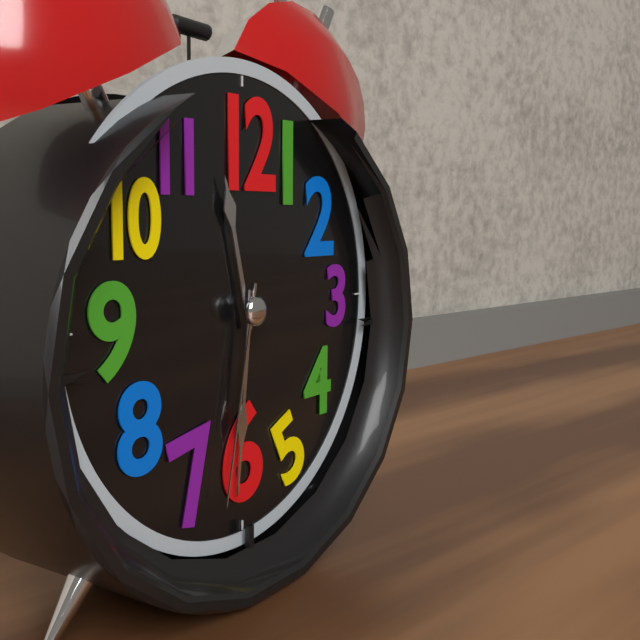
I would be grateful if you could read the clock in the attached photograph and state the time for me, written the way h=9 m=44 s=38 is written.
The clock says h=11 m=31 s=32
